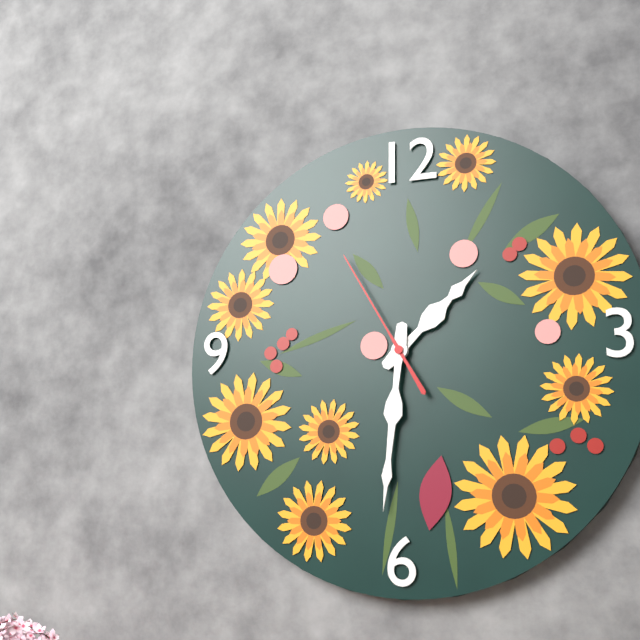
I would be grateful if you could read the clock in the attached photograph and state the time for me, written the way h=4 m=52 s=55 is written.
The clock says h=1 m=31 s=55
